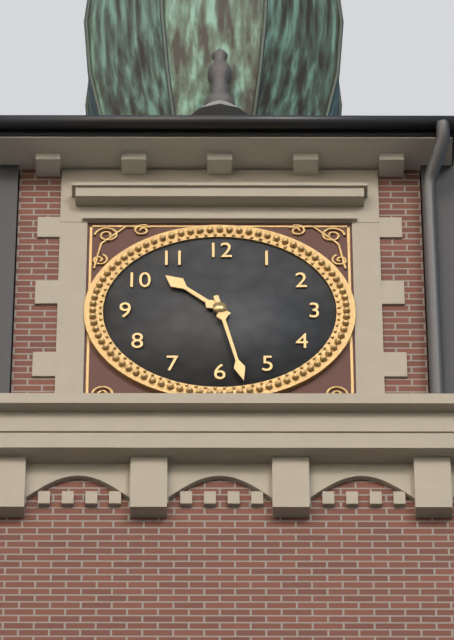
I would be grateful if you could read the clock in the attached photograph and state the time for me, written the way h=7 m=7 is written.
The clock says h=10 m=28
